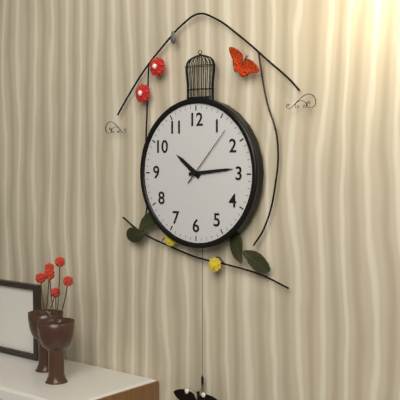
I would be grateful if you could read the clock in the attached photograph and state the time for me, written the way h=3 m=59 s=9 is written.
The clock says h=10 m=14 s=7
